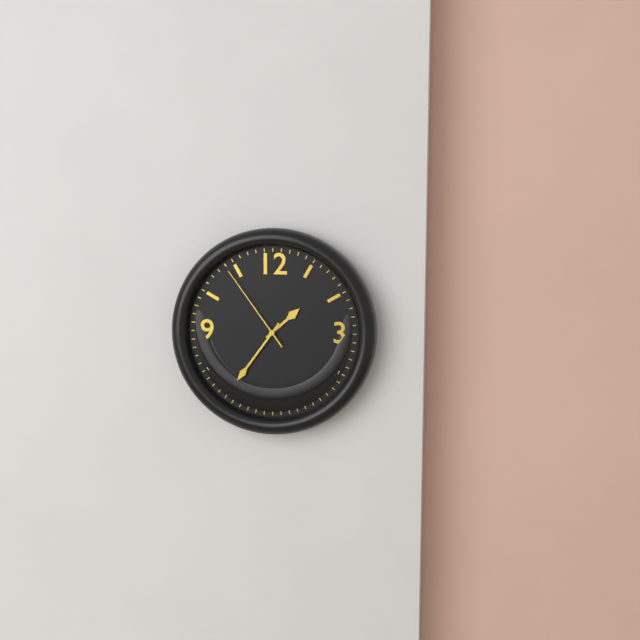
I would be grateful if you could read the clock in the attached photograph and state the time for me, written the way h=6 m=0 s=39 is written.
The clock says h=1 m=36 s=54
